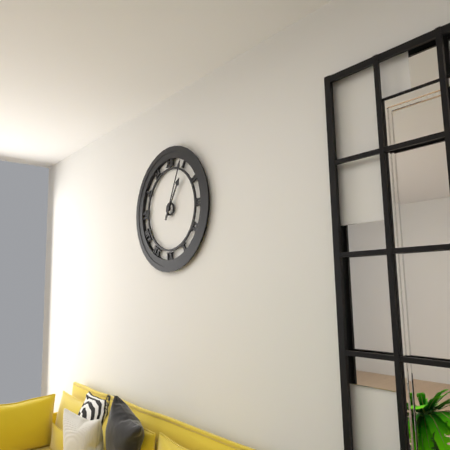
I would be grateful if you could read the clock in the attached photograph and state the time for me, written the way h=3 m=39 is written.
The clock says h=1 m=4
